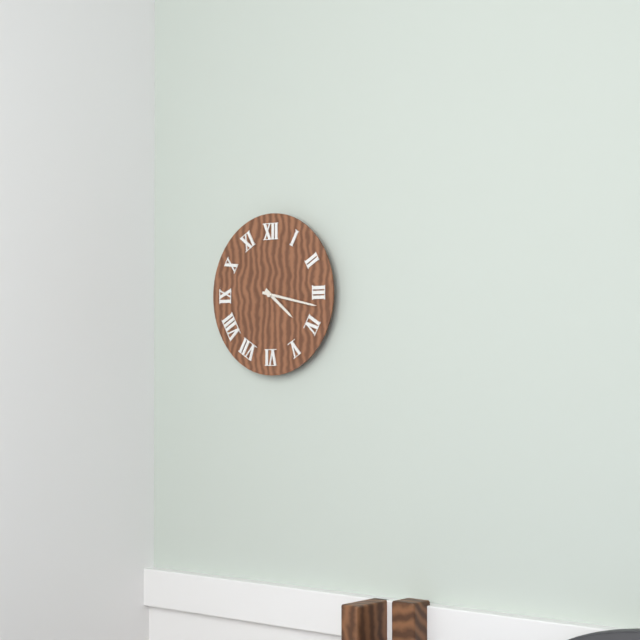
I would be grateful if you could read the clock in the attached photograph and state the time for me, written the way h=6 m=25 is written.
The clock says h=4 m=17
